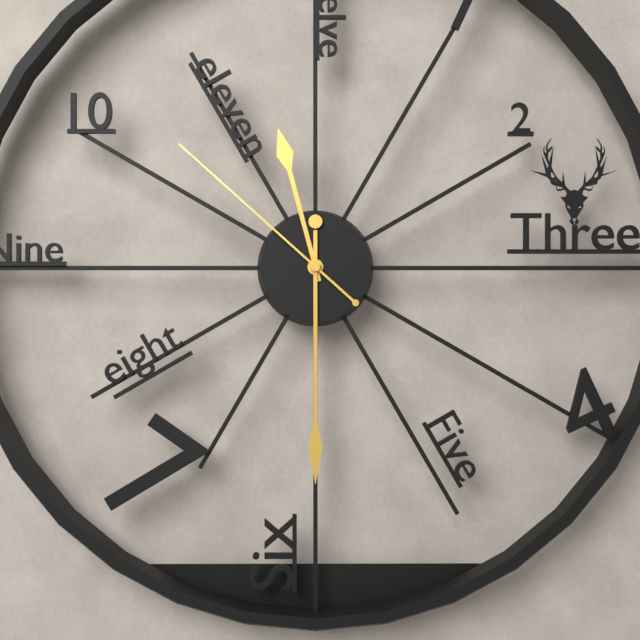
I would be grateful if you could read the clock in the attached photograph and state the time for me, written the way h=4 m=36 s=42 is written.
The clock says h=11 m=30 s=52
